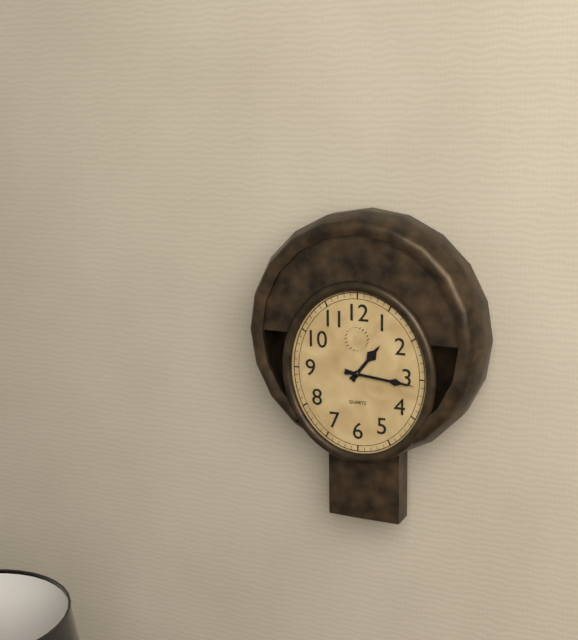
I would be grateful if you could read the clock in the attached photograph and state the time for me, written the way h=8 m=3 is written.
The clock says h=1 m=16
